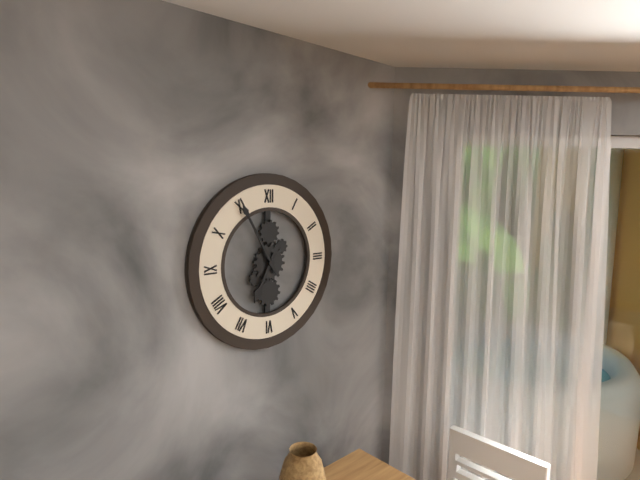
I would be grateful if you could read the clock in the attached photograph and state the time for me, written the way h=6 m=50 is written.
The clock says h=6 m=55
